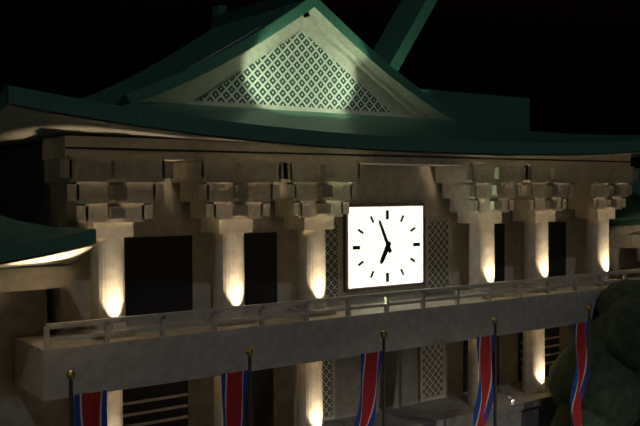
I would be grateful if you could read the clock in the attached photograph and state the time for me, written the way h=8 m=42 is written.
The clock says h=6 m=56
